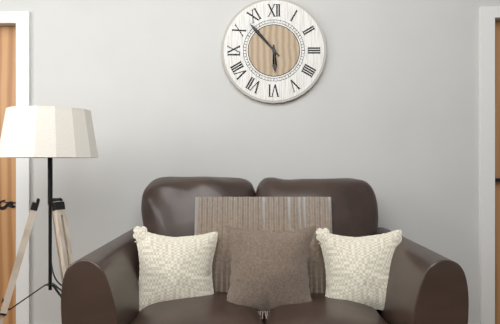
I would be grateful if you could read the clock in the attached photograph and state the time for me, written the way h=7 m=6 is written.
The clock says h=5 m=53
